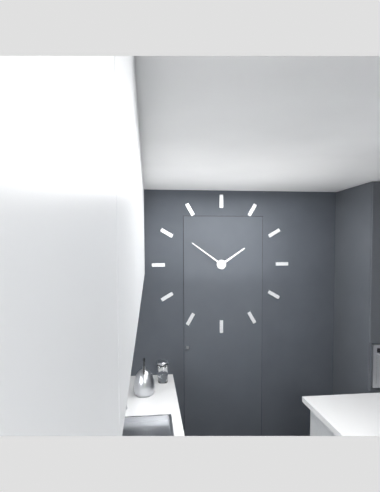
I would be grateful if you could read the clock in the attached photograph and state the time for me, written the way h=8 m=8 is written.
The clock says h=1 m=51
